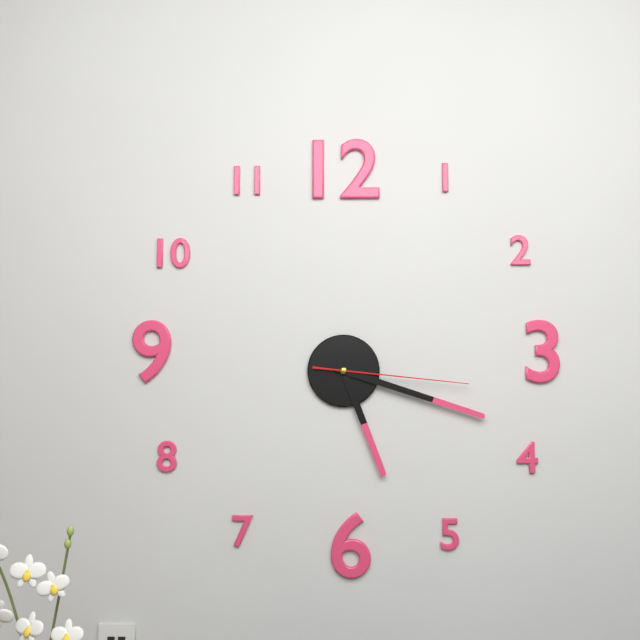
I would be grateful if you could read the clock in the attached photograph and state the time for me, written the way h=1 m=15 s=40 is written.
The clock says h=5 m=18 s=16
